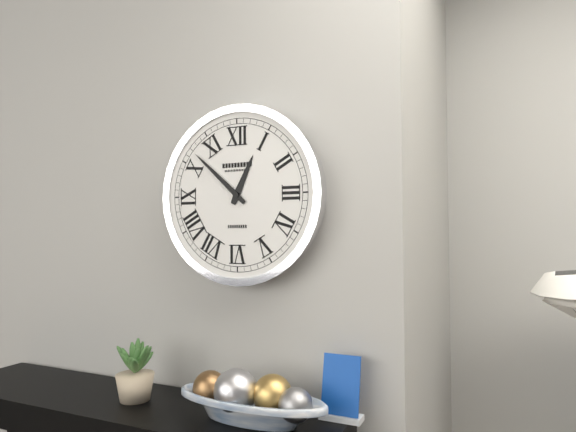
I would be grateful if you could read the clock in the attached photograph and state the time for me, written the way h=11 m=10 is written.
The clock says h=12 m=52
